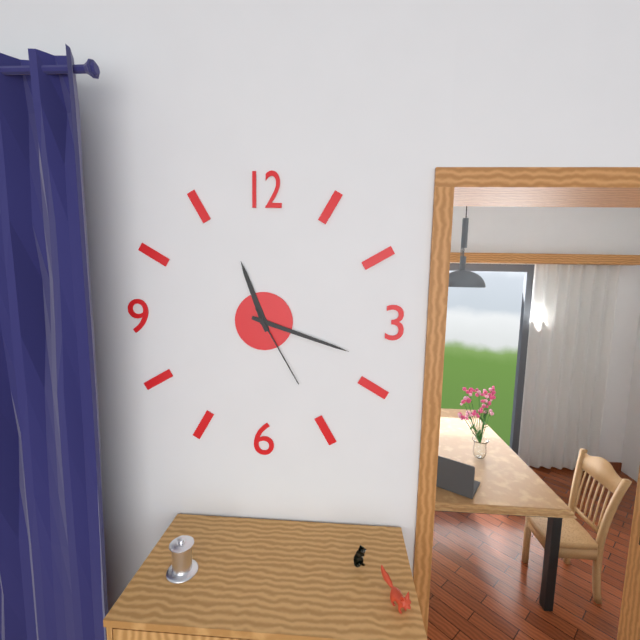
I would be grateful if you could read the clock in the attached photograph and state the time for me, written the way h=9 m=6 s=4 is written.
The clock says h=11 m=18 s=25
